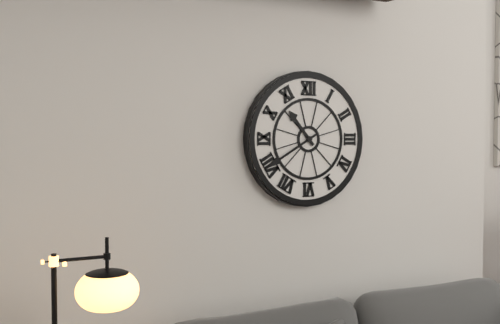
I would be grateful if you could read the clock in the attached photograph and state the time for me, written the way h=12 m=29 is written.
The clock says h=10 m=40
